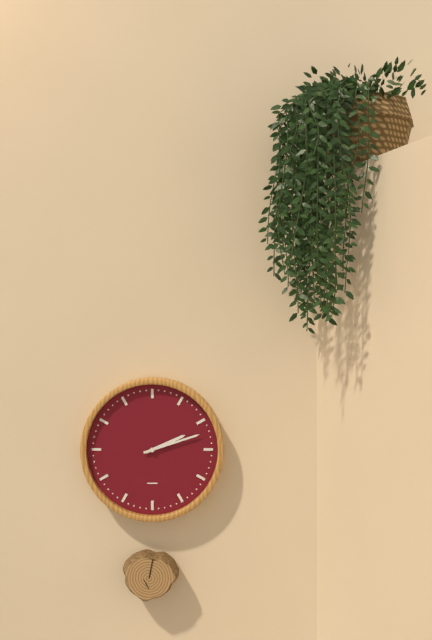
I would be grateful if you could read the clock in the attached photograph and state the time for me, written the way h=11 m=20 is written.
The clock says h=2 m=12
